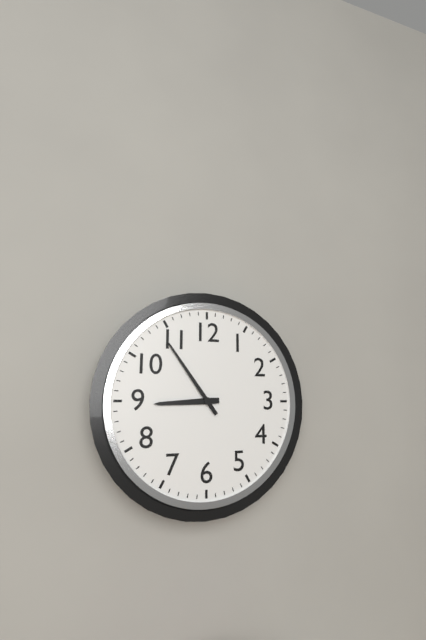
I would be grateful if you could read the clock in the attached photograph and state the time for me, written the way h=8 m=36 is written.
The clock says h=8 m=54
